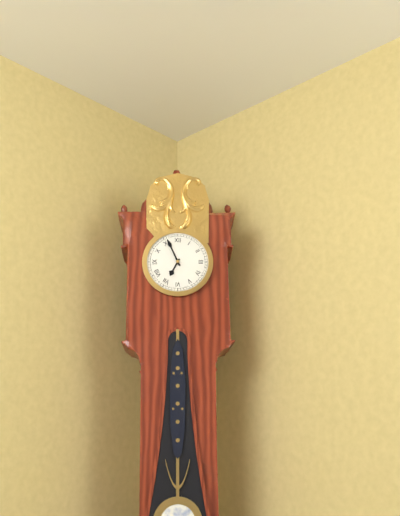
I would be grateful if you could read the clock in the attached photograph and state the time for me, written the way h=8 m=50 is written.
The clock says h=6 m=56
